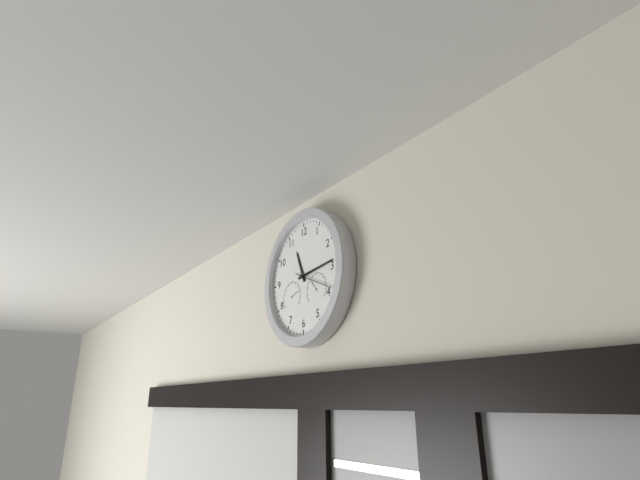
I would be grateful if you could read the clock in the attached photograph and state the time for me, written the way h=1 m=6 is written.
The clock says h=11 m=14
